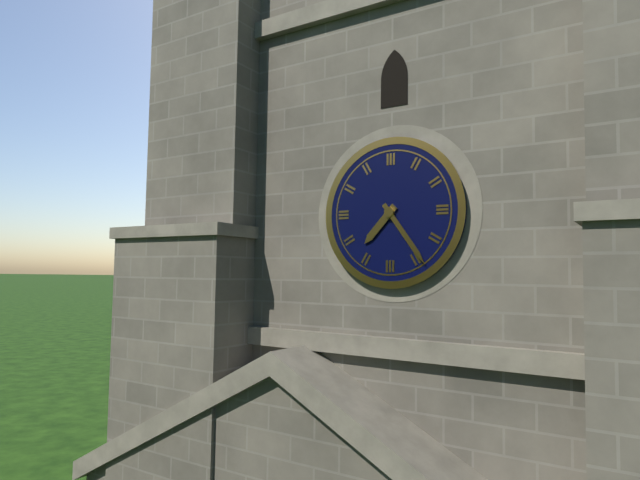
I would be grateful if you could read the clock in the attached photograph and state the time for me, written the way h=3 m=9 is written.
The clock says h=7 m=24
